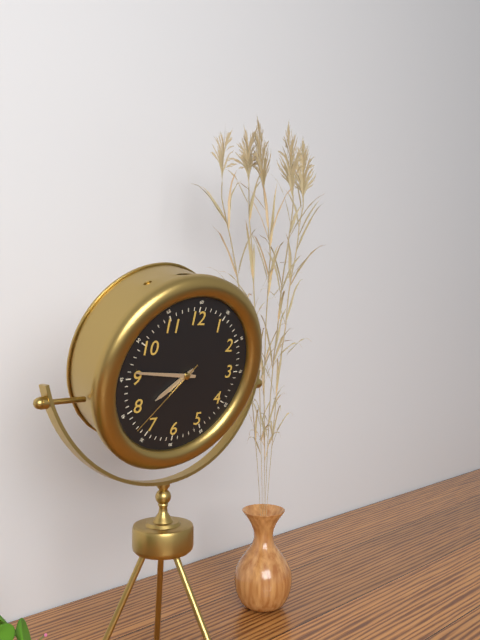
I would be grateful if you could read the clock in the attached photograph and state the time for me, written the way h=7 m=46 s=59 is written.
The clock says h=7 m=46 s=37
